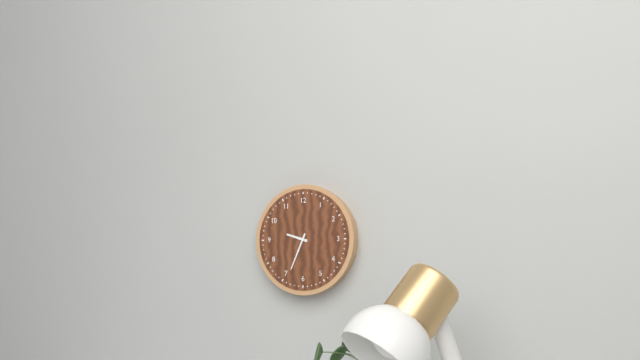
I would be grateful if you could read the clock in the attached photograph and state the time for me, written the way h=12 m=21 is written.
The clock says h=9 m=34
